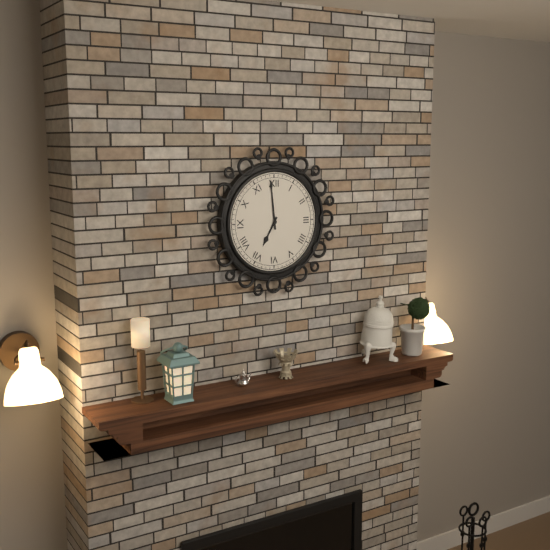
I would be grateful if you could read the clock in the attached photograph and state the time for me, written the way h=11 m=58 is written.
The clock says h=6 m=59
